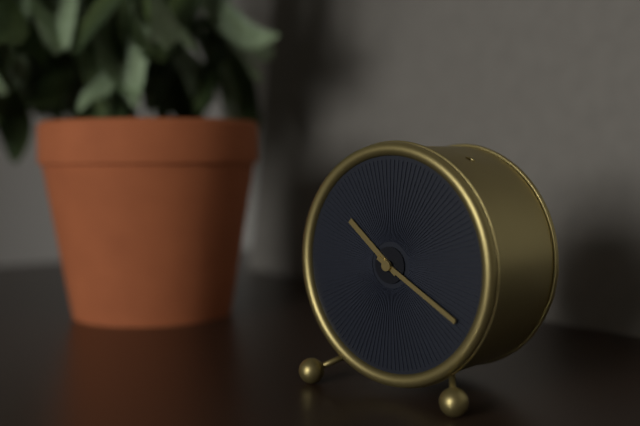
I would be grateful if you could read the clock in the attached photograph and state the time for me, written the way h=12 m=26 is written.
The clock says h=10 m=20
